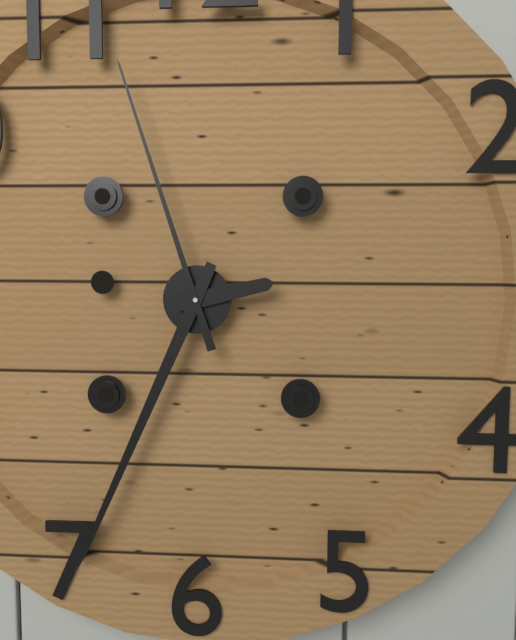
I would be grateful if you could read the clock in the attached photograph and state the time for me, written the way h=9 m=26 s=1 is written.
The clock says h=2 m=34 s=57
